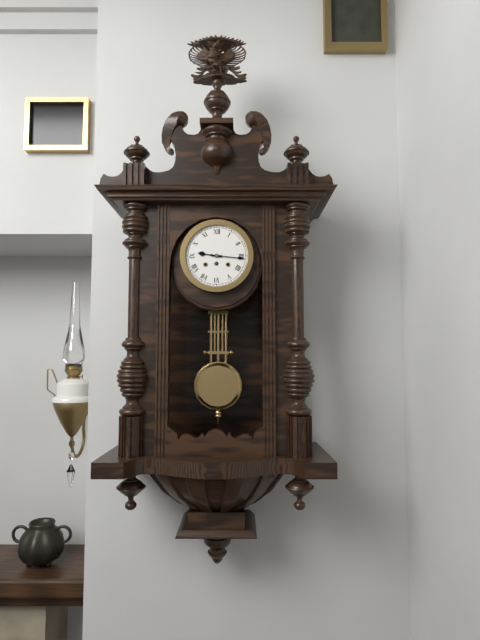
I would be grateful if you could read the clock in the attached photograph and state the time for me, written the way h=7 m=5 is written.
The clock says h=9 m=16
